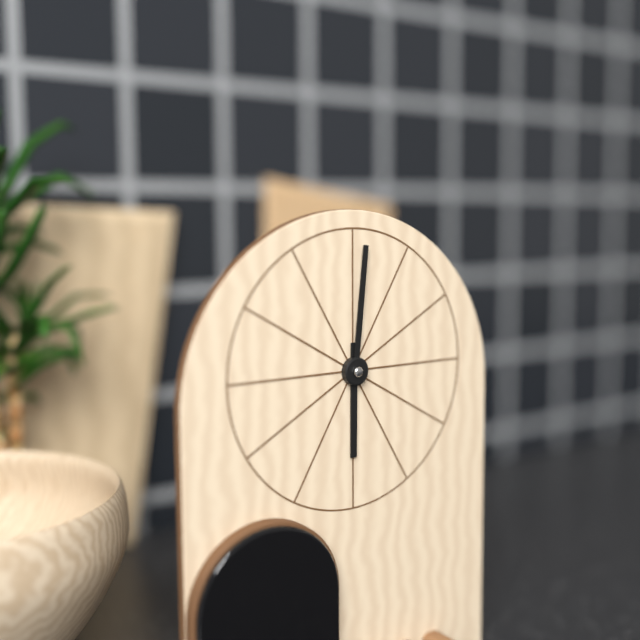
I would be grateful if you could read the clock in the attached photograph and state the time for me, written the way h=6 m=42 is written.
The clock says h=6 m=1
